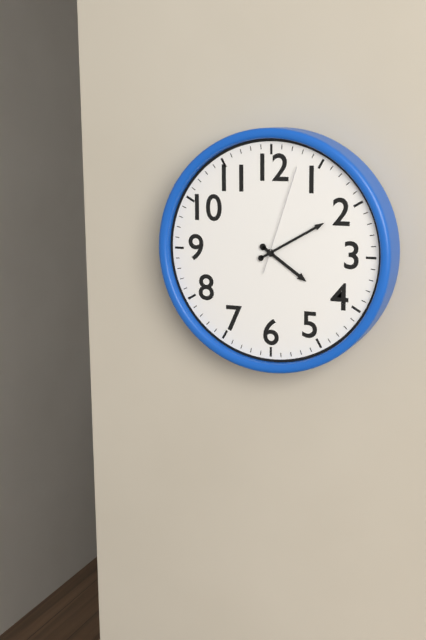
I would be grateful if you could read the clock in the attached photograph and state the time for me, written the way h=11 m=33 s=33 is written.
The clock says h=4 m=10 s=3
